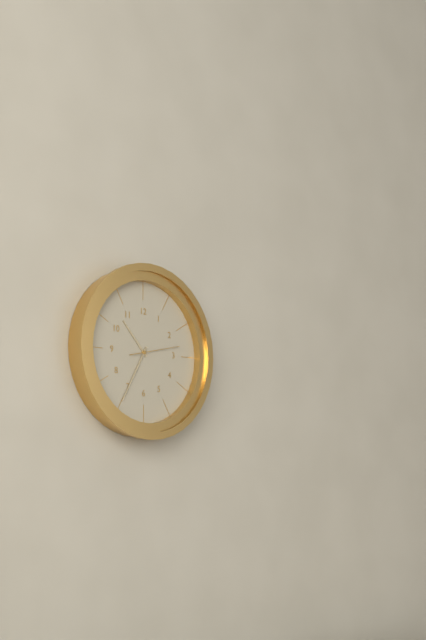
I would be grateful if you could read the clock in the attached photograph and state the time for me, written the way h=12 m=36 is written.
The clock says h=10 m=35
